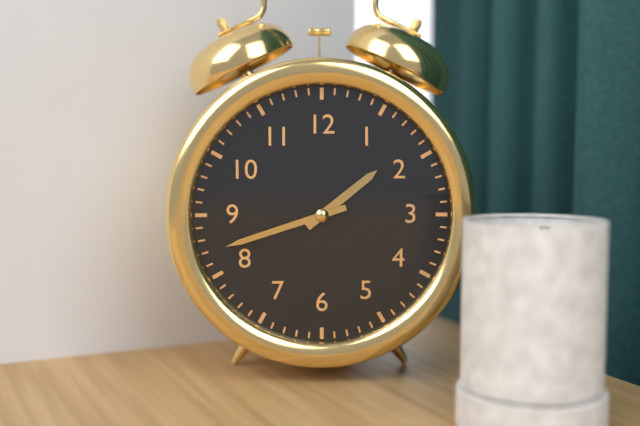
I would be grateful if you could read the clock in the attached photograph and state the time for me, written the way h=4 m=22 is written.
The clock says h=1 m=42
